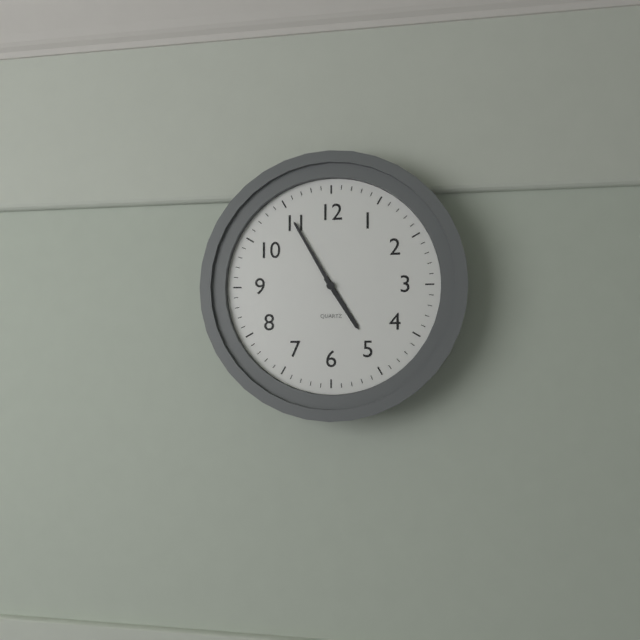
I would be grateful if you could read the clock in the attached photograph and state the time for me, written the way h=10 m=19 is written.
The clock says h=4 m=55
